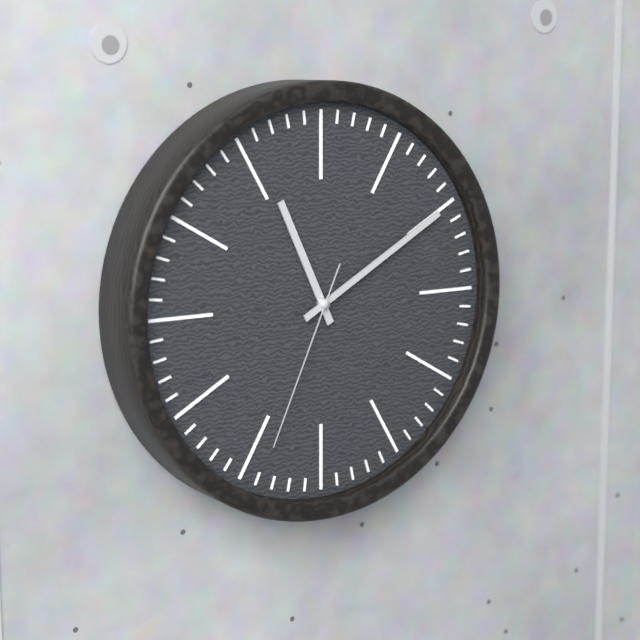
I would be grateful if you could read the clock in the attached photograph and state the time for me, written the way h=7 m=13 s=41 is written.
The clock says h=11 m=10 s=34
